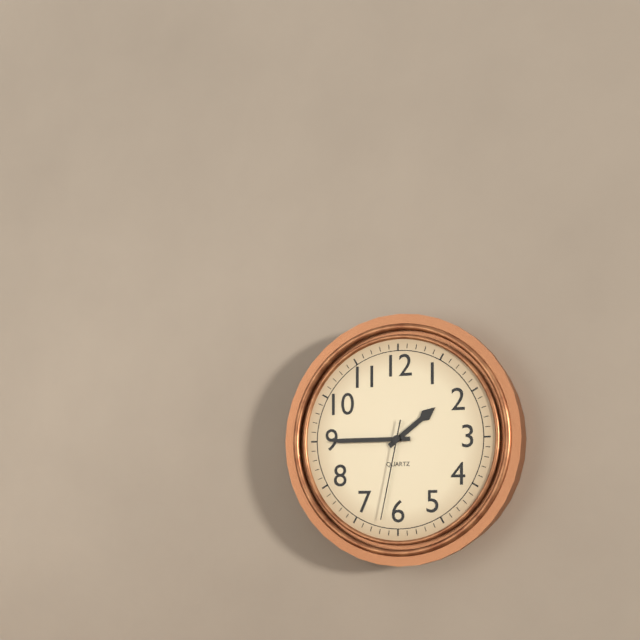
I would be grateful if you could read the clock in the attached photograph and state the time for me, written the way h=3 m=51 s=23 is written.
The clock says h=1 m=45 s=32
